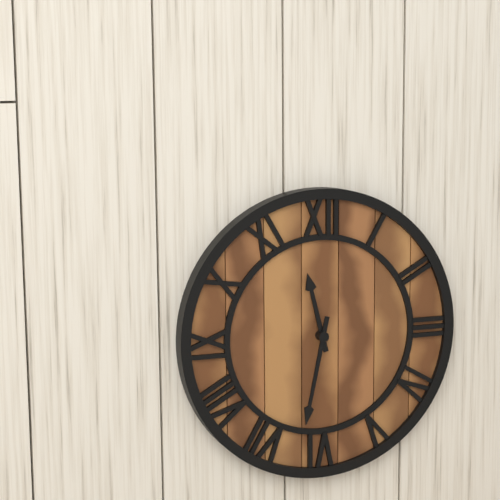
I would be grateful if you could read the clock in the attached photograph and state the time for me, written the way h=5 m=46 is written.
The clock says h=11 m=32
